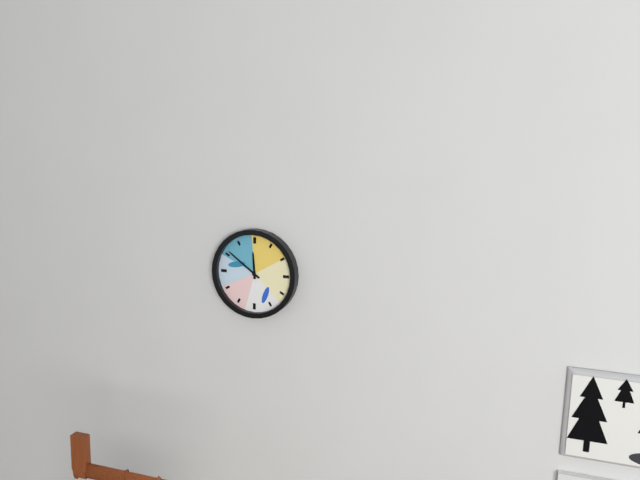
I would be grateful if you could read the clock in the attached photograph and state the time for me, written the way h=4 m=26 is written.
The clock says h=11 m=51
